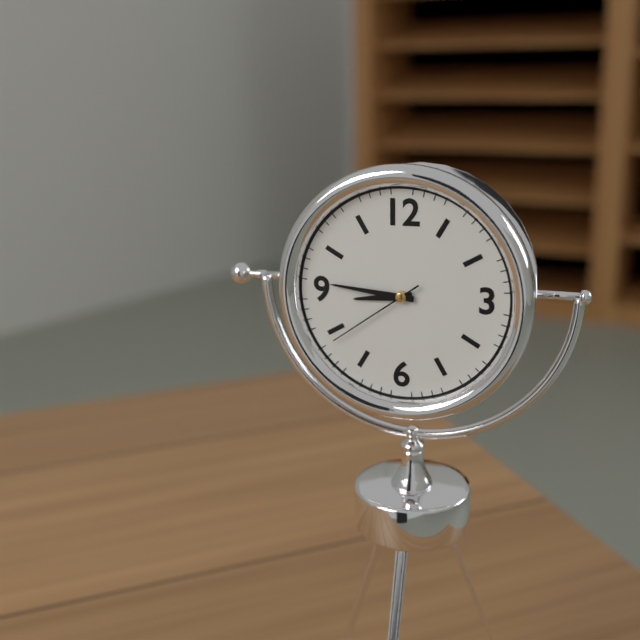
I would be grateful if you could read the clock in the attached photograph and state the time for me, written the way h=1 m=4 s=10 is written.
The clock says h=8 m=46 s=39
